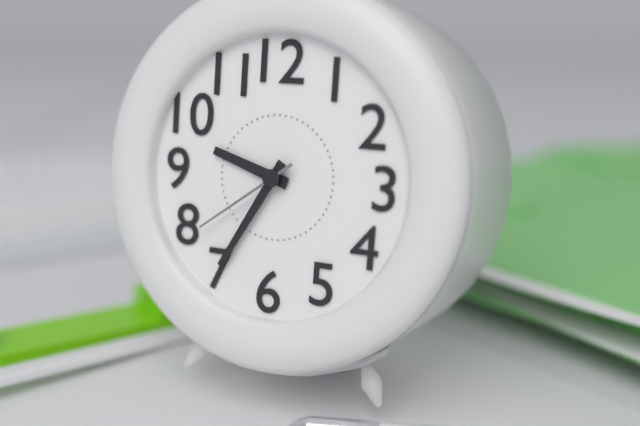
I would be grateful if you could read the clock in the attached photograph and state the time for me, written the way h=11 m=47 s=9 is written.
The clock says h=9 m=35 s=39
